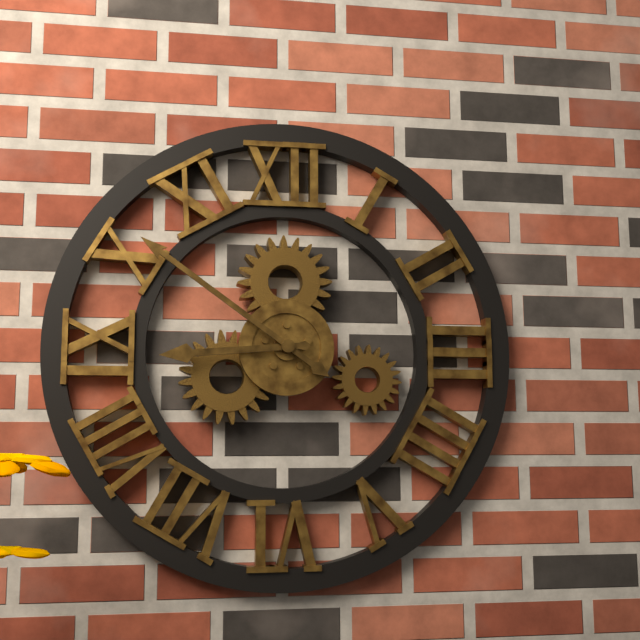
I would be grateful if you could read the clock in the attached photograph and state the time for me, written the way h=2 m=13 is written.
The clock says h=8 m=51
